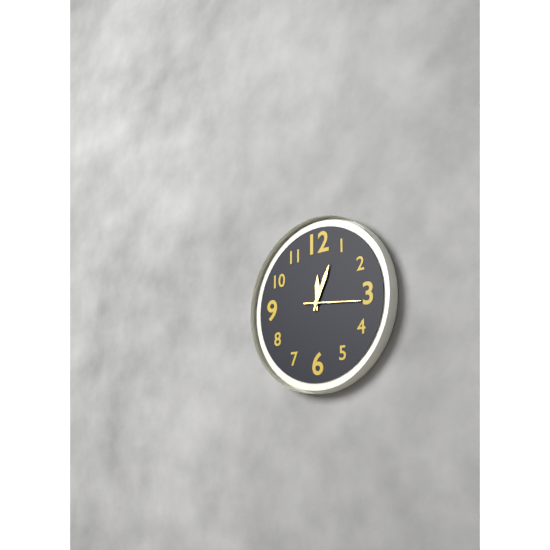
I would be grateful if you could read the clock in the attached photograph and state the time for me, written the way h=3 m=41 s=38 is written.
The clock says h=12 m=4 s=16
